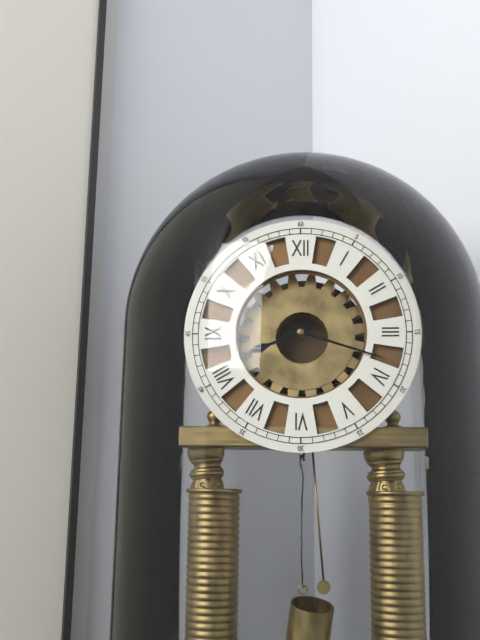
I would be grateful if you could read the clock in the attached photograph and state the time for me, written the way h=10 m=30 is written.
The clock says h=8 m=18
